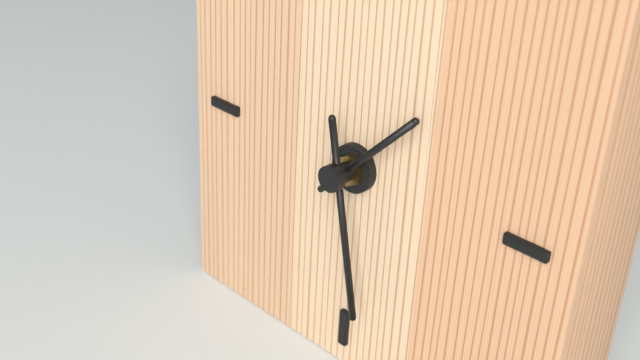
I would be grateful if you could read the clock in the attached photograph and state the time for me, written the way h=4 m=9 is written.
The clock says h=1 m=28
